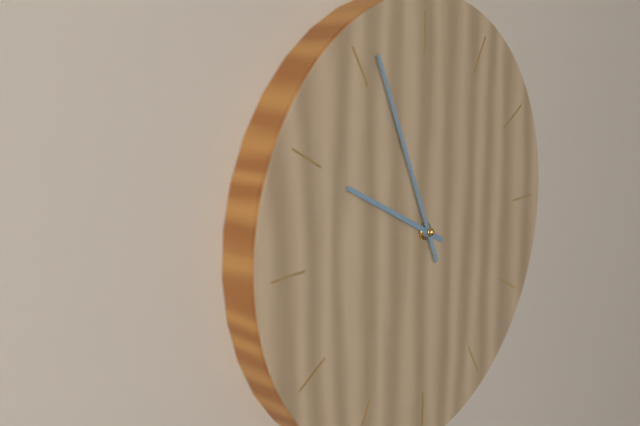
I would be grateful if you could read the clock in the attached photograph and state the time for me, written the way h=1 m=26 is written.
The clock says h=9 m=56
